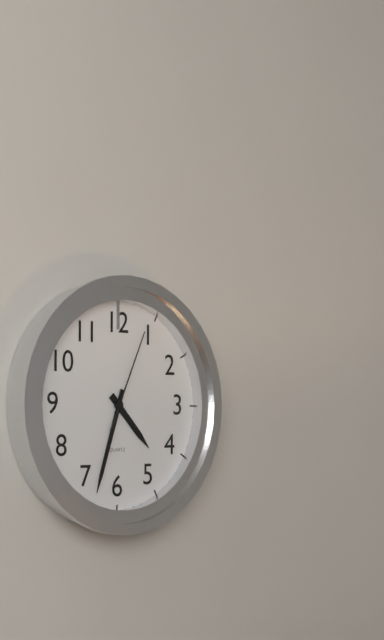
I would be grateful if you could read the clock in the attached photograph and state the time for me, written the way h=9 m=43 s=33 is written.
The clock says h=4 m=33 s=4
